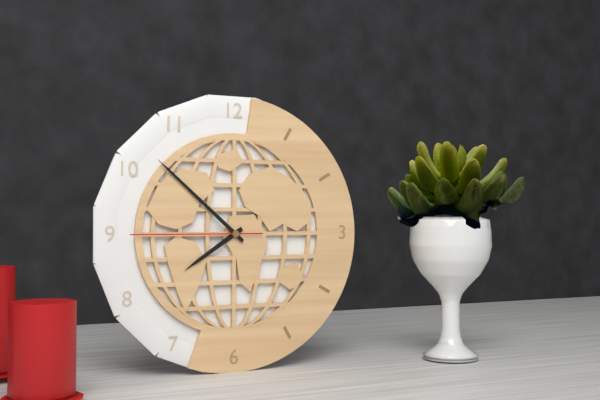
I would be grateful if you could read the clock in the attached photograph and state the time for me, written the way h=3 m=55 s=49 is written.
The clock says h=7 m=52 s=45
